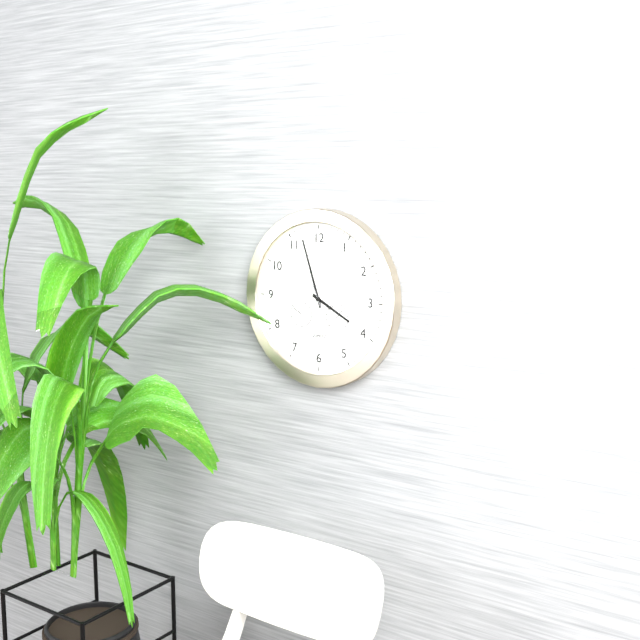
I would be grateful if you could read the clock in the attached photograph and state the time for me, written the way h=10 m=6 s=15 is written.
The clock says h=3 m=57 s=26
